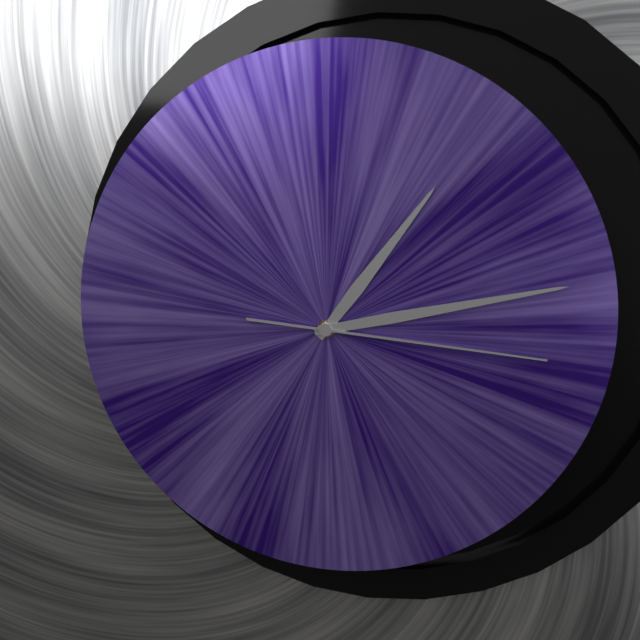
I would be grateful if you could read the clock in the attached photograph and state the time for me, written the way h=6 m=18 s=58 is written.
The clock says h=1 m=13 s=16
